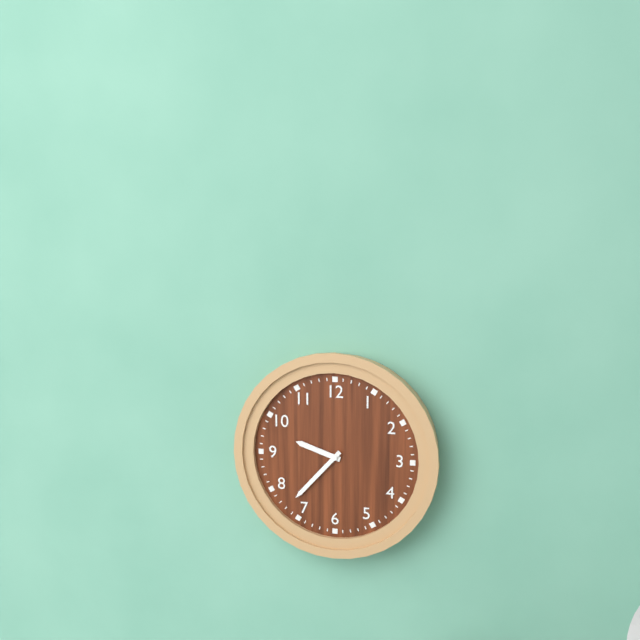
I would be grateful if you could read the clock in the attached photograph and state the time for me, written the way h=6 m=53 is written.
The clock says h=9 m=37
